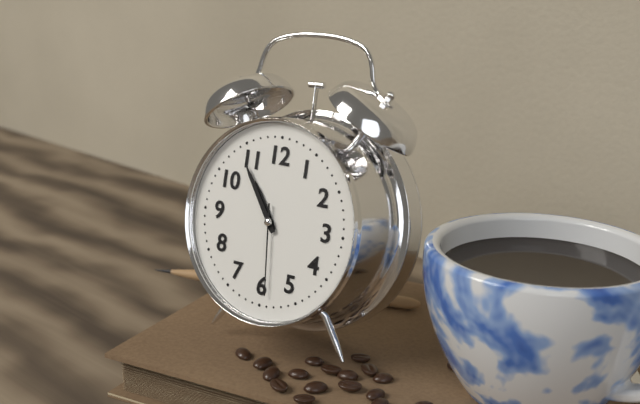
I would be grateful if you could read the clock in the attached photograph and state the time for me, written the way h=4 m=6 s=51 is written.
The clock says h=10 m=54 s=29
